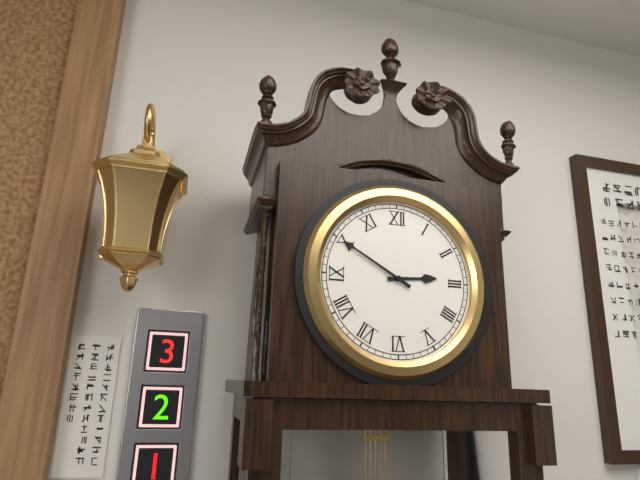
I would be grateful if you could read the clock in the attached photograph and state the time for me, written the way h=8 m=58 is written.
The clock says h=2 m=50
